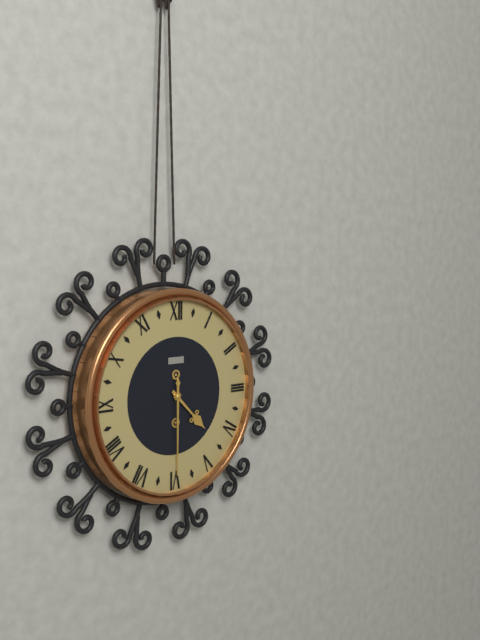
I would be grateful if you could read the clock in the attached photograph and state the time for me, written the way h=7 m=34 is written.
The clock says h=4 m=30
